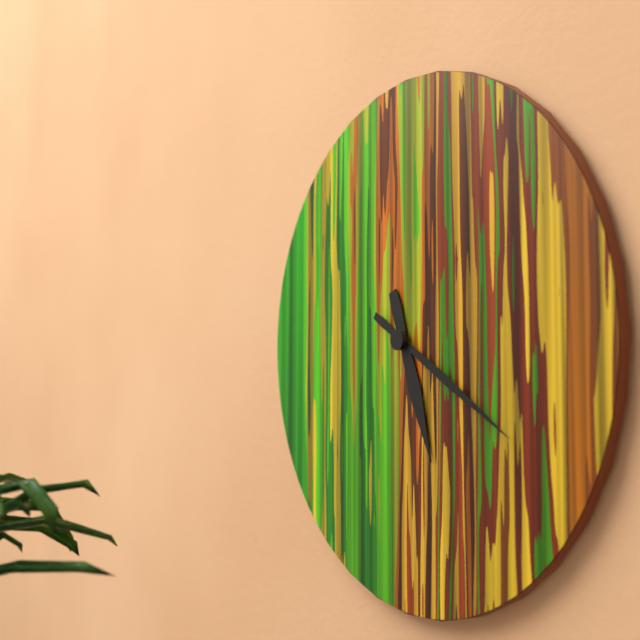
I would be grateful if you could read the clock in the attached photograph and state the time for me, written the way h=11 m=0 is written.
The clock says h=5 m=20
